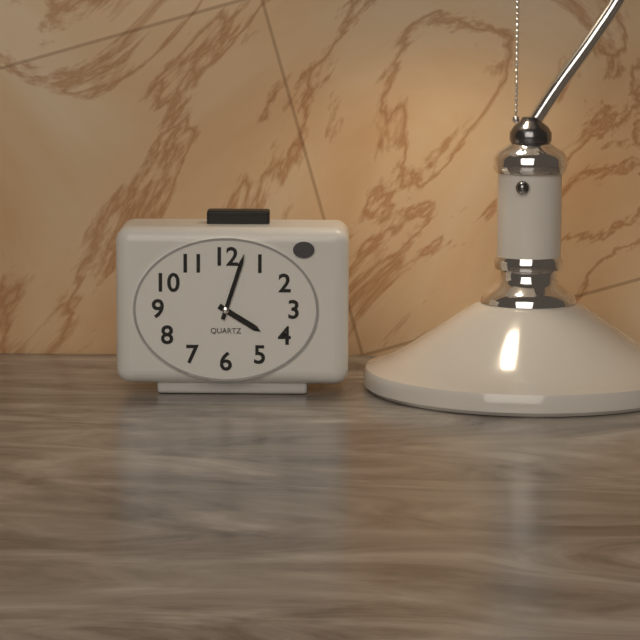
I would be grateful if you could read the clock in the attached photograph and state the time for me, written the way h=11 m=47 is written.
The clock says h=4 m=3
